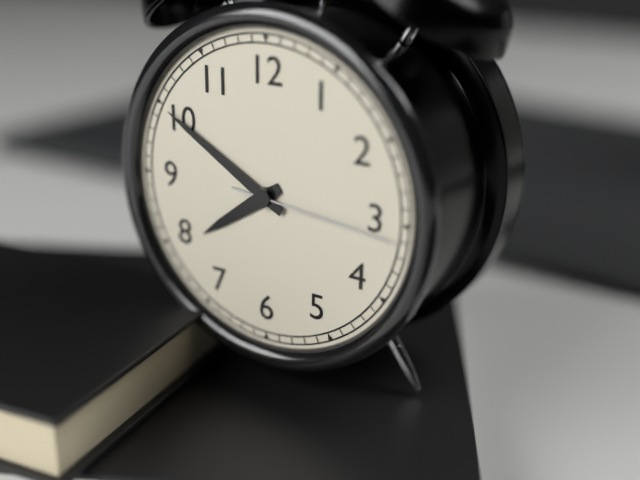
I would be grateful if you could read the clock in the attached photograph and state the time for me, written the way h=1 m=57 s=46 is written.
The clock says h=7 m=50 s=16
